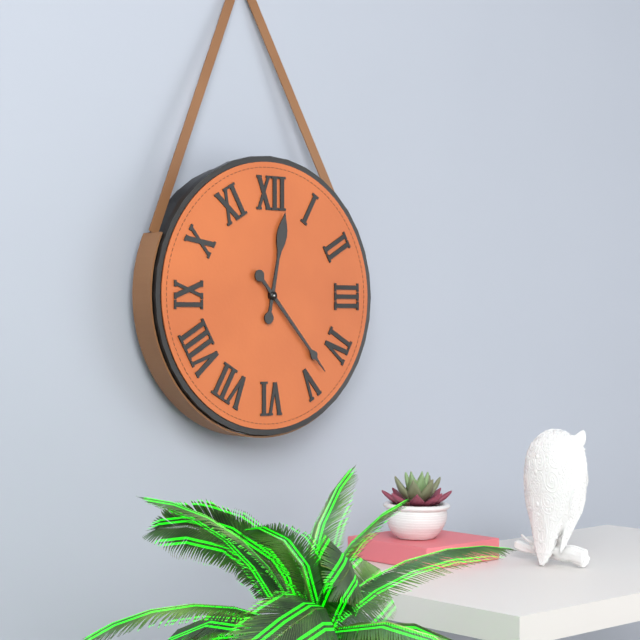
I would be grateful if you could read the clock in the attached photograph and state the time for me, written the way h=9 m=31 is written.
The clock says h=12 m=23
